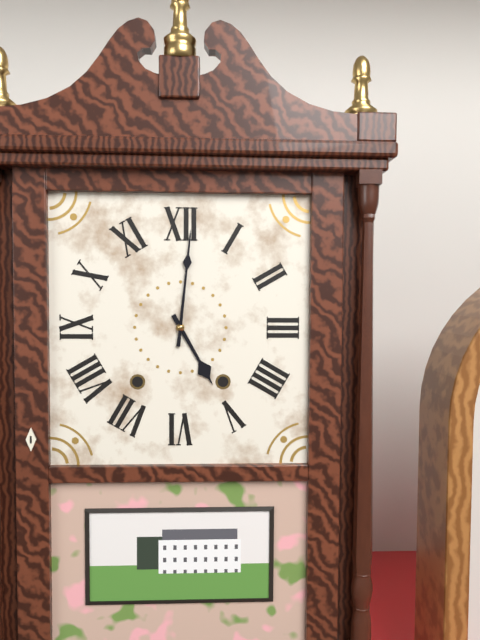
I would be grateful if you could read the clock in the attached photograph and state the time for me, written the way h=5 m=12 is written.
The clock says h=5 m=1
